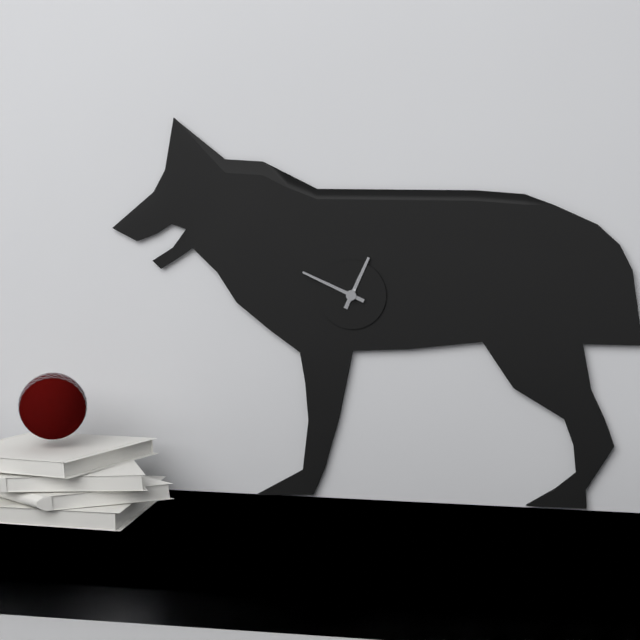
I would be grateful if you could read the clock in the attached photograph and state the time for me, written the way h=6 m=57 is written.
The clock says h=12 m=49
